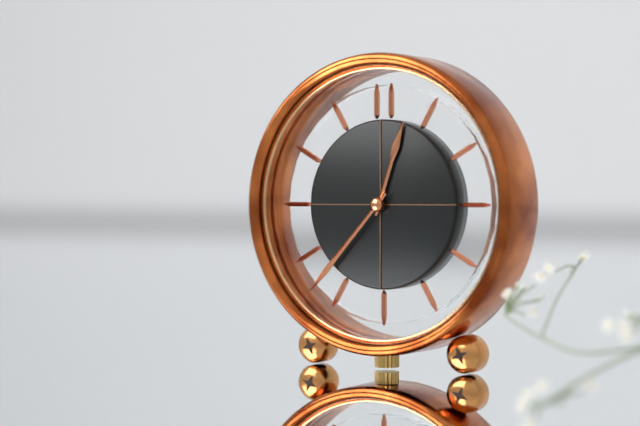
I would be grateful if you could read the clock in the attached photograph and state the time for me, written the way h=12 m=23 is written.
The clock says h=12 m=37
